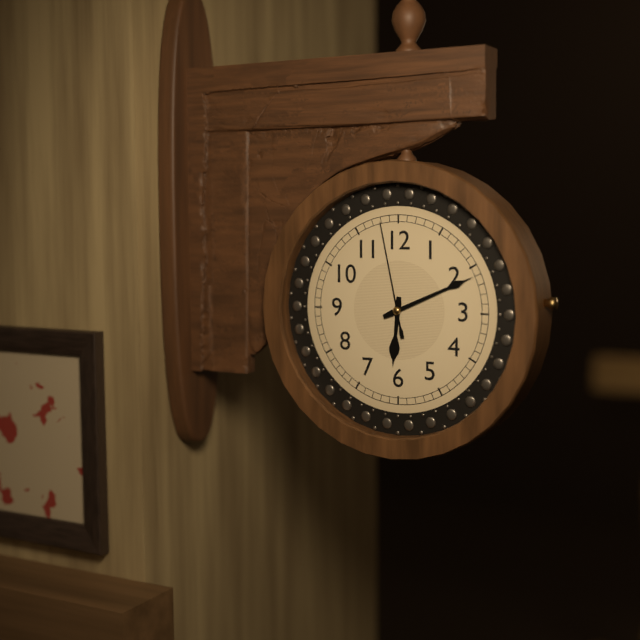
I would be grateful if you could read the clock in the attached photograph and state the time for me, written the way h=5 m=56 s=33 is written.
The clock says h=6 m=11 s=58
